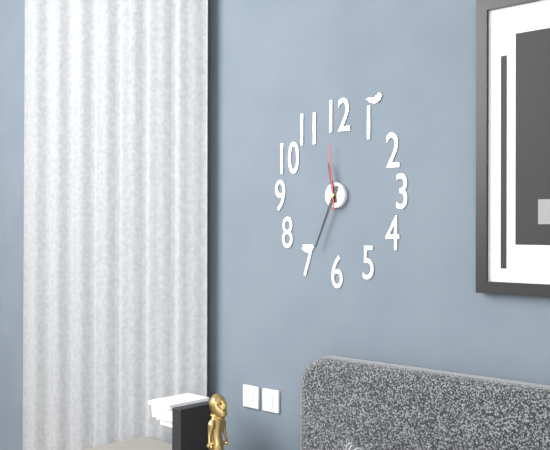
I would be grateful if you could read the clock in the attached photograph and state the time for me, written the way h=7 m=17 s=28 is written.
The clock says h=11 m=34 s=59
